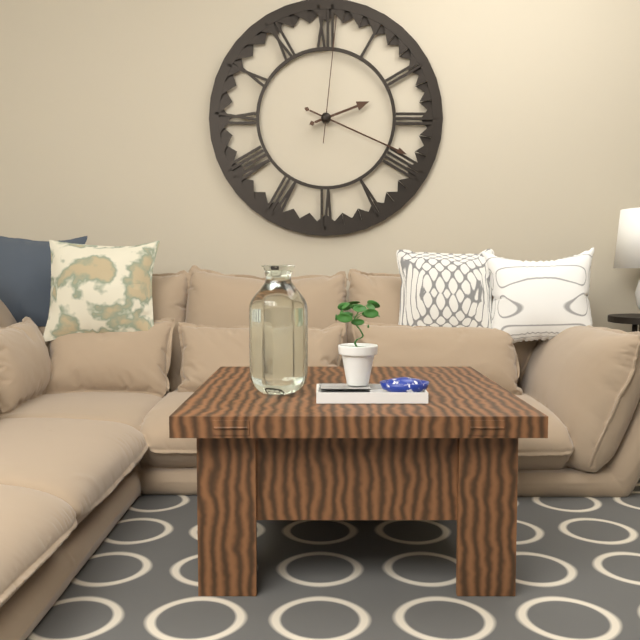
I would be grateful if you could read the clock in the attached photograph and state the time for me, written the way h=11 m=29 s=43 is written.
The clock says h=2 m=19 s=1
